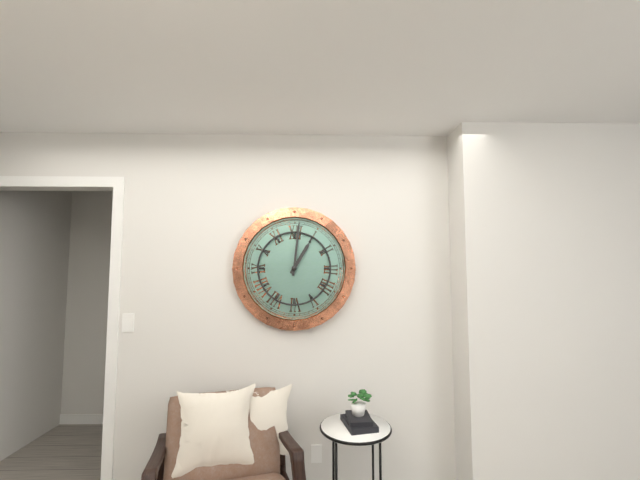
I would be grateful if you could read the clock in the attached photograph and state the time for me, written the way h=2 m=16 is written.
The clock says h=1 m=1
